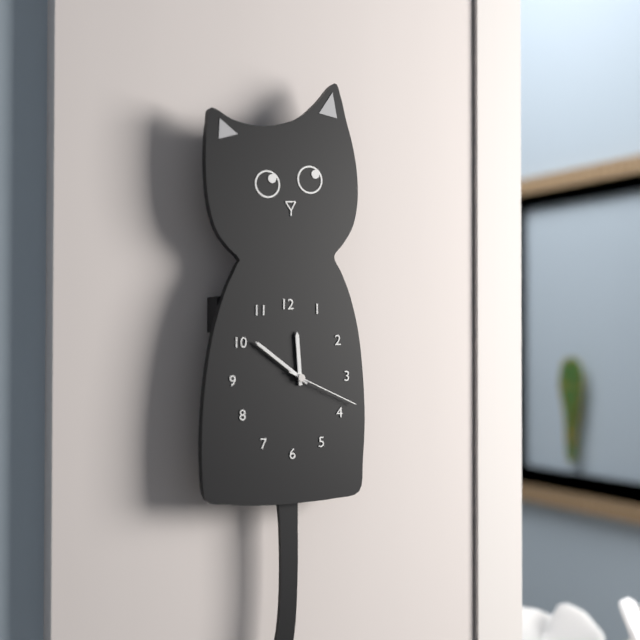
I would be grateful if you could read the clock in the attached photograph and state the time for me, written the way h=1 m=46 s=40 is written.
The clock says h=11 m=51 s=19
